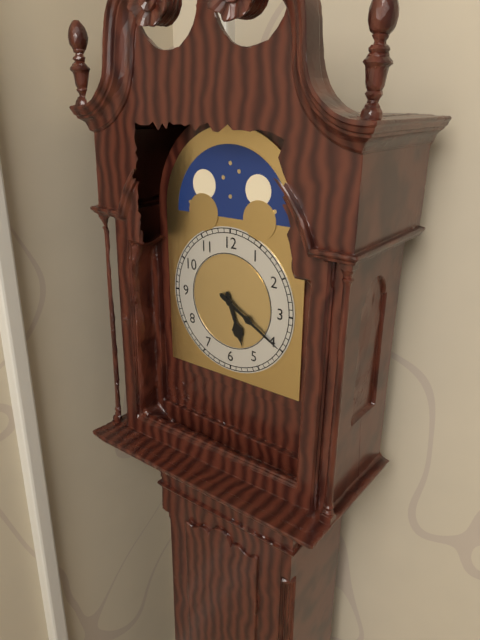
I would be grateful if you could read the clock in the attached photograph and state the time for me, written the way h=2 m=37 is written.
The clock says h=5 m=20
